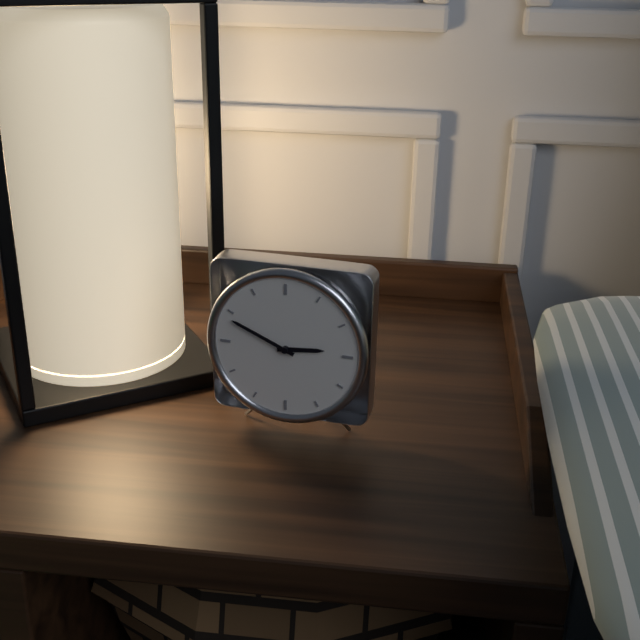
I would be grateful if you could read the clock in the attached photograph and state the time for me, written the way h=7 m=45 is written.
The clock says h=2 m=49
